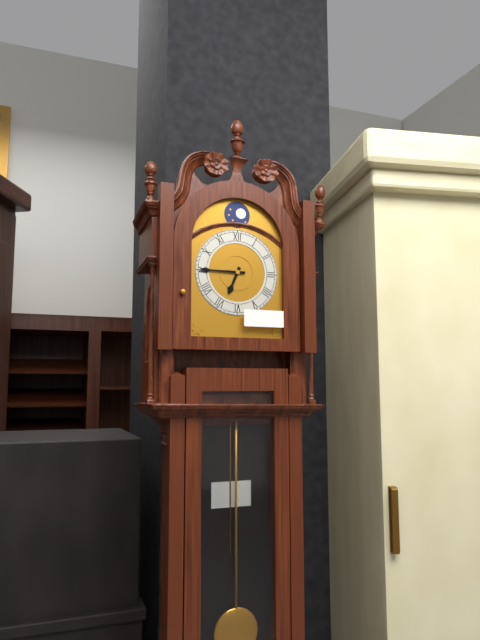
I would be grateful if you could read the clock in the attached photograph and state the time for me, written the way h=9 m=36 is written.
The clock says h=6 m=45
